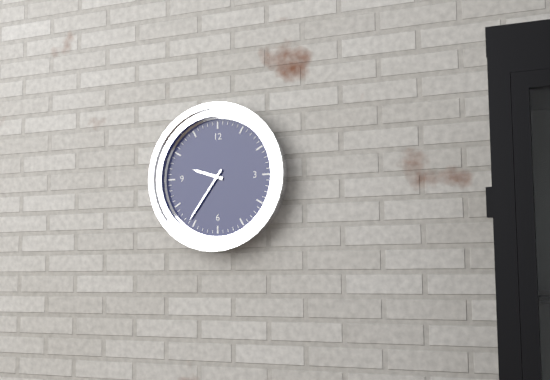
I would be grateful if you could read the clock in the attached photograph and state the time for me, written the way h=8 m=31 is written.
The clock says h=9 m=36
